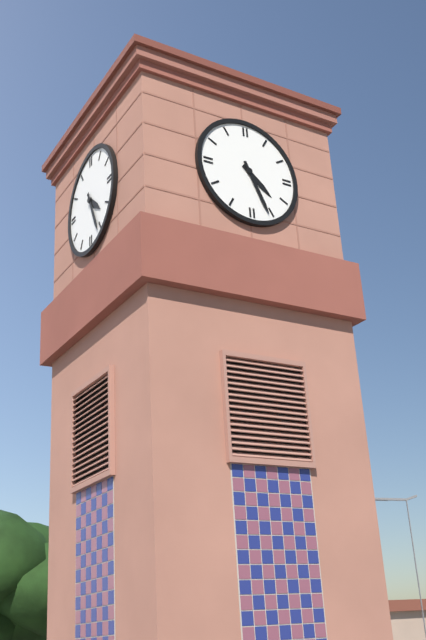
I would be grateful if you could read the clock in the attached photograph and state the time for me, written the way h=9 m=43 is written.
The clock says h=4 m=26
